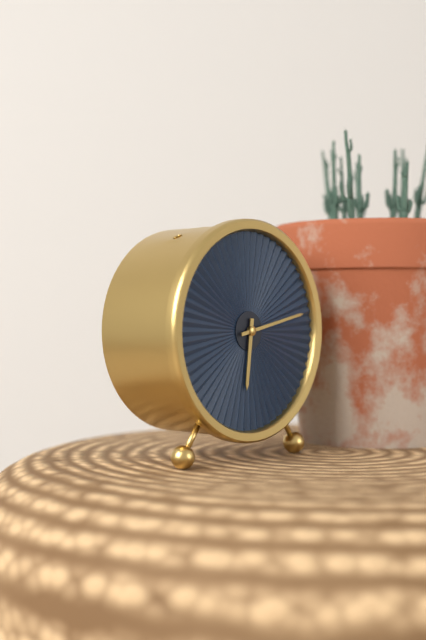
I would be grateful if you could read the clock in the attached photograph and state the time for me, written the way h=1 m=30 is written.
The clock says h=6 m=13
